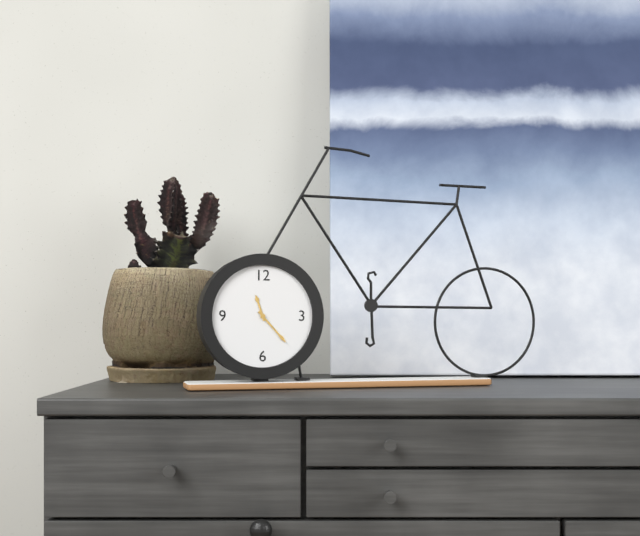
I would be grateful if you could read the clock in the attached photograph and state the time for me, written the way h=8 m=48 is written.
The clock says h=11 m=23
